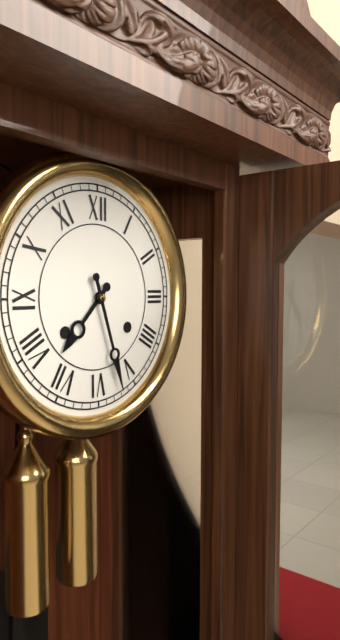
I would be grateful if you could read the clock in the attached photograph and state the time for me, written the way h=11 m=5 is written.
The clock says h=7 m=27
